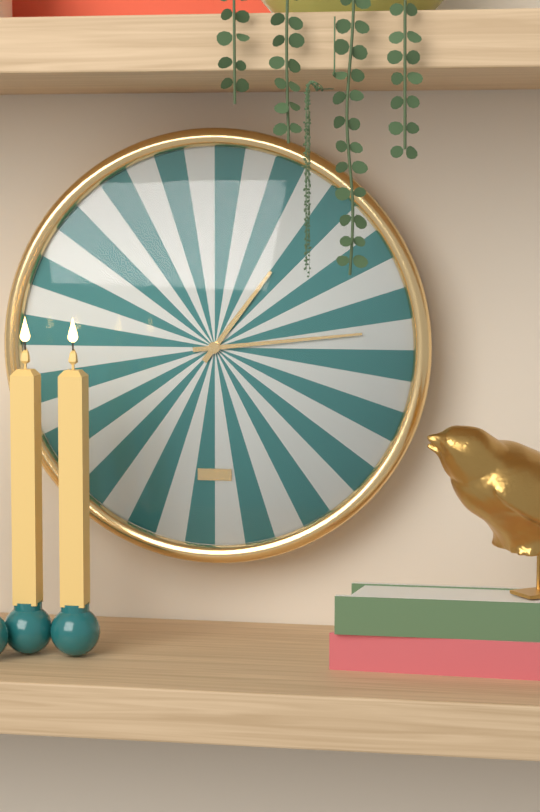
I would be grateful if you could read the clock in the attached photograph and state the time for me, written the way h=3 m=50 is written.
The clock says h=1 m=14
